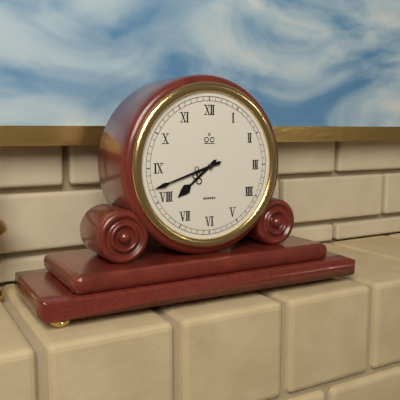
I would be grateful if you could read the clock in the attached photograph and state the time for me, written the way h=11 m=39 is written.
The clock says h=7 m=42
